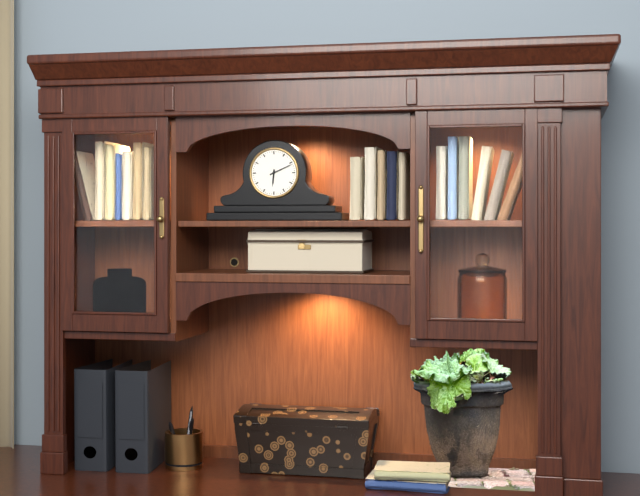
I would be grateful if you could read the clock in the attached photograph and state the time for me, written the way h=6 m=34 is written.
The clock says h=6 m=11
